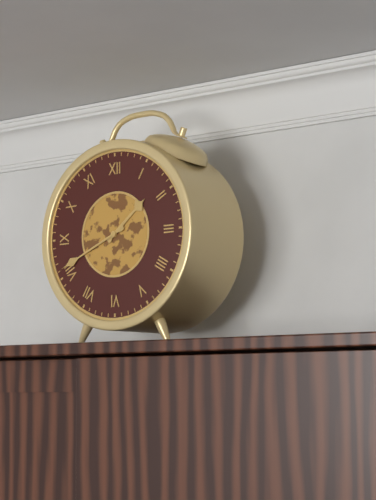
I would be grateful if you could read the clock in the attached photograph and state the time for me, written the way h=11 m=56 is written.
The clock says h=1 m=41
